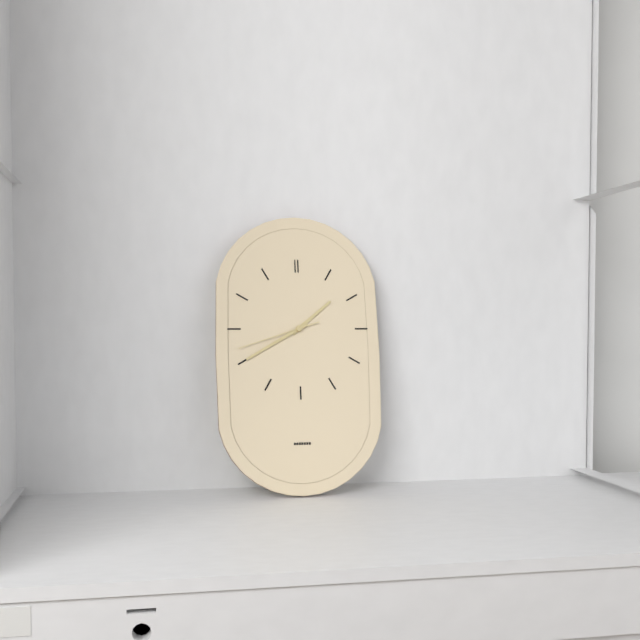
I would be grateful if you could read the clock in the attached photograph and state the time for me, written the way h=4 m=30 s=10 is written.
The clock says h=1 m=40 s=42
